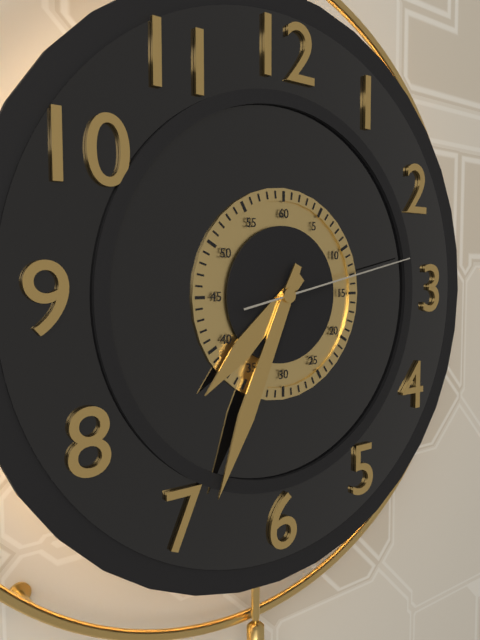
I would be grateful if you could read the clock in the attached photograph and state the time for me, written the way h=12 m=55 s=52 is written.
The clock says h=7 m=34 s=13
